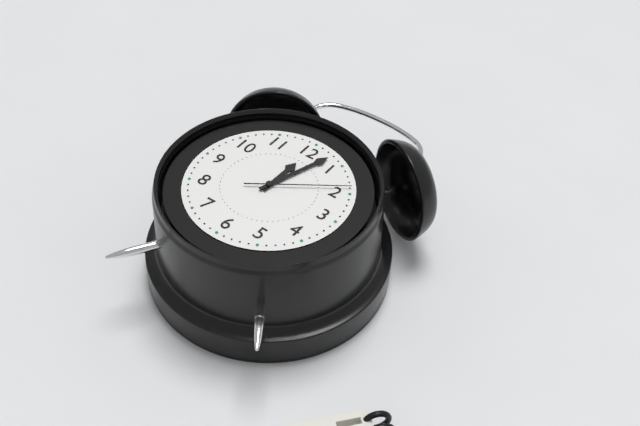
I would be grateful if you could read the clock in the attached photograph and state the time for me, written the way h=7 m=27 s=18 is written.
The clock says h=12 m=3 s=9
